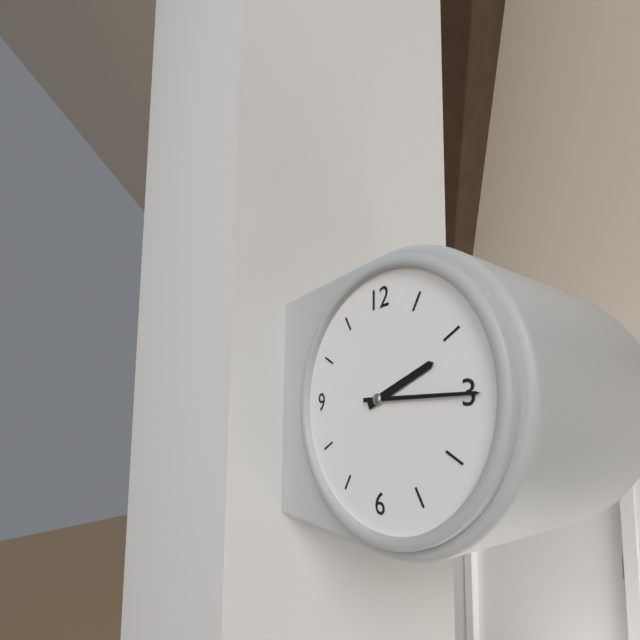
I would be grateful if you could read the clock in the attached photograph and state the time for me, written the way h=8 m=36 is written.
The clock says h=2 m=15
